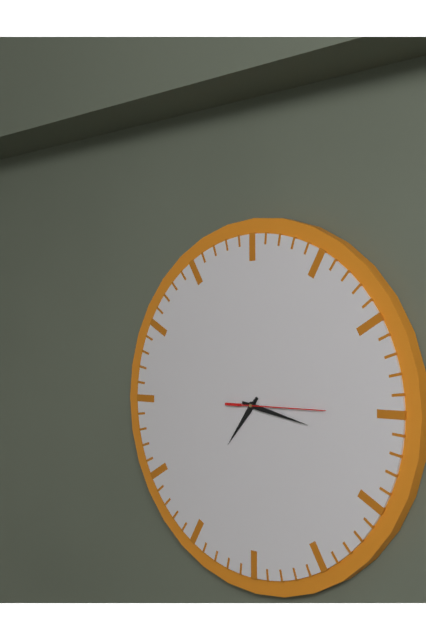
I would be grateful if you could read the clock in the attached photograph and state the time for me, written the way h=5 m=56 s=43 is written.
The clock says h=7 m=17 s=15
